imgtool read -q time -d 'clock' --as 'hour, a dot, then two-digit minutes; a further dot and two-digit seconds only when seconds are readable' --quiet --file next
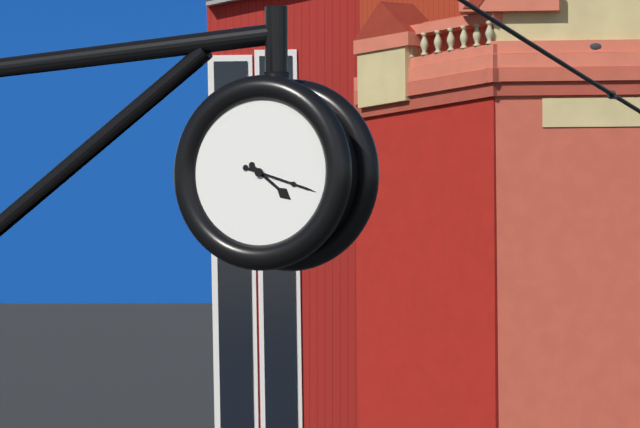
4.18
